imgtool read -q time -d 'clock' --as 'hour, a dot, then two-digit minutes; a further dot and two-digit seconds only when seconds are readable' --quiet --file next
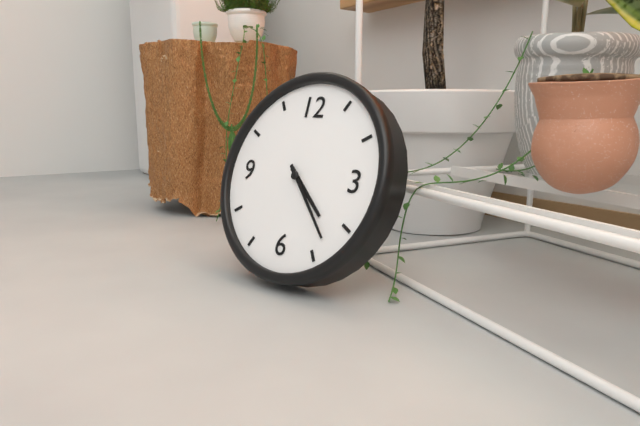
4.23
